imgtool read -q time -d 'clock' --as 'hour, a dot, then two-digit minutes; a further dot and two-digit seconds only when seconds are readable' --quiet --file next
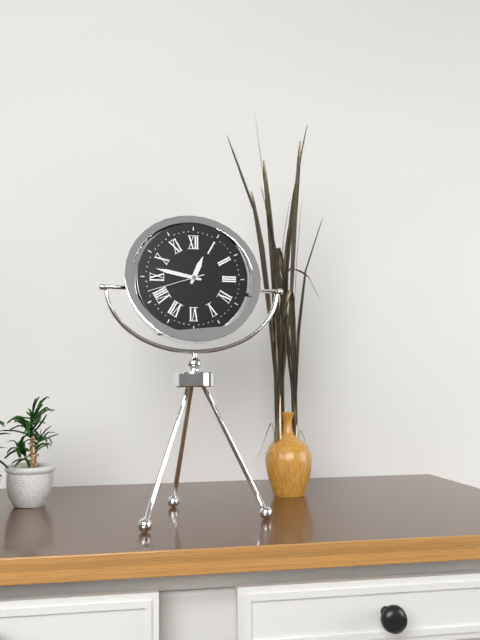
12.47.42
